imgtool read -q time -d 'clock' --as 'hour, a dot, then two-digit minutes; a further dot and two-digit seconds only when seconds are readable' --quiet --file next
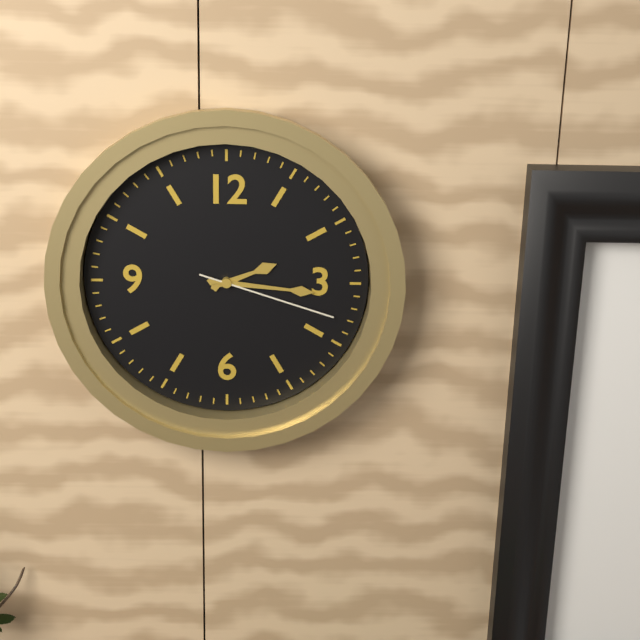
2.16.18
